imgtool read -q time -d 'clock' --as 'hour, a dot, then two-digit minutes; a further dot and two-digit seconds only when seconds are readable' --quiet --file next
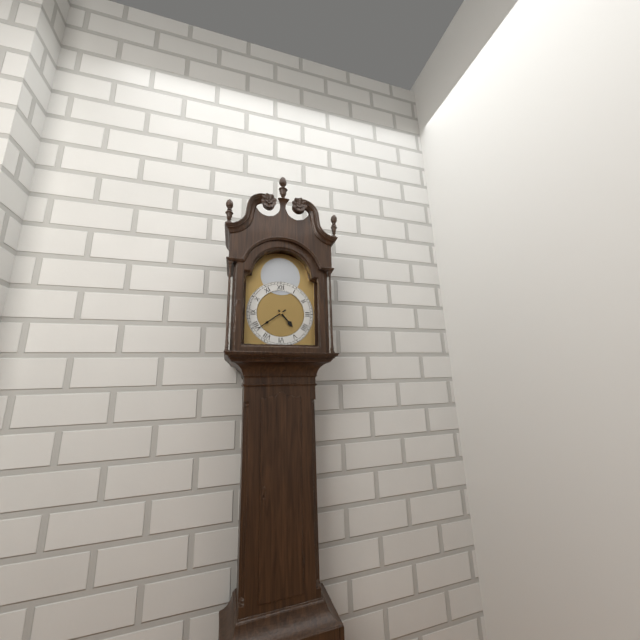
4.39
